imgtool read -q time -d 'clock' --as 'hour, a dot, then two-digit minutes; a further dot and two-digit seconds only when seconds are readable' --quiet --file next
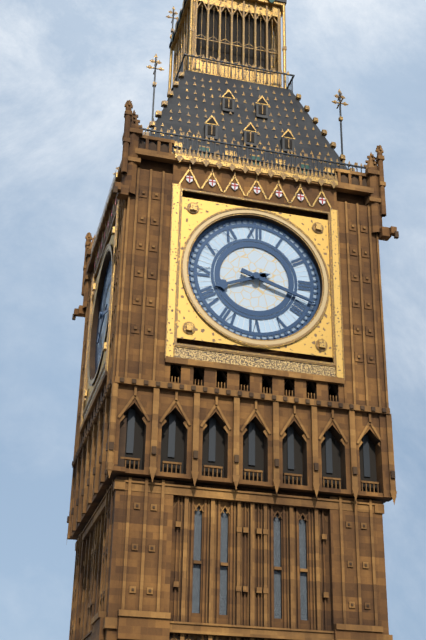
8.18
